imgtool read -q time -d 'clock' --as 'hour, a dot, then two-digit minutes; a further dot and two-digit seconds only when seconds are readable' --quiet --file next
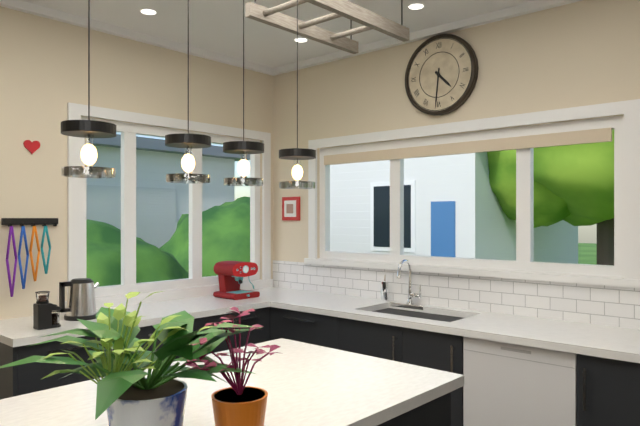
4.31
